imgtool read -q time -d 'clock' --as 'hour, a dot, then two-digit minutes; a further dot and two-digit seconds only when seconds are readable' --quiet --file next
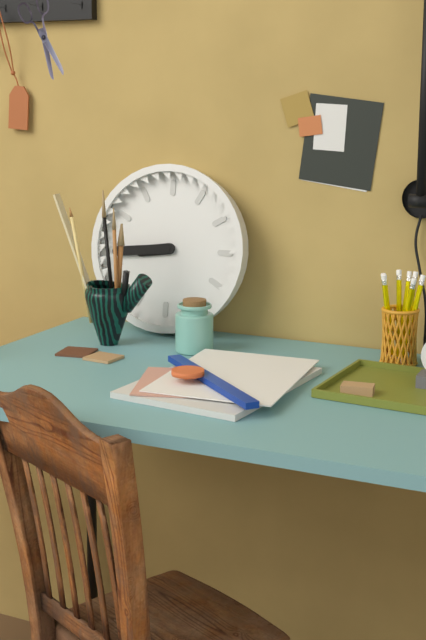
8.44
